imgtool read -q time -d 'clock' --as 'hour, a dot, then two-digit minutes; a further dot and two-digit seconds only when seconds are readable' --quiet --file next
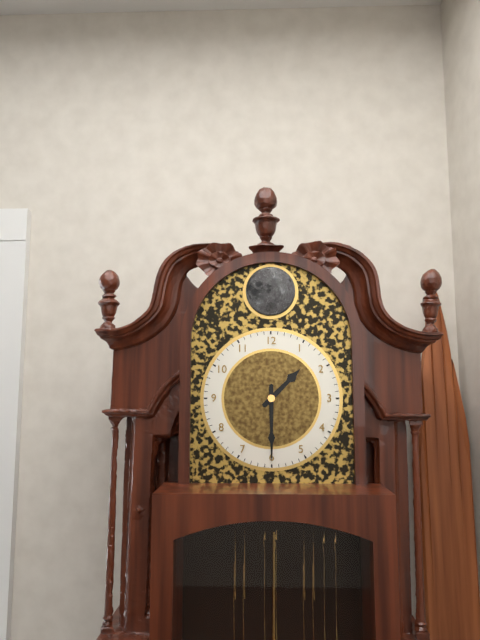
1.30
